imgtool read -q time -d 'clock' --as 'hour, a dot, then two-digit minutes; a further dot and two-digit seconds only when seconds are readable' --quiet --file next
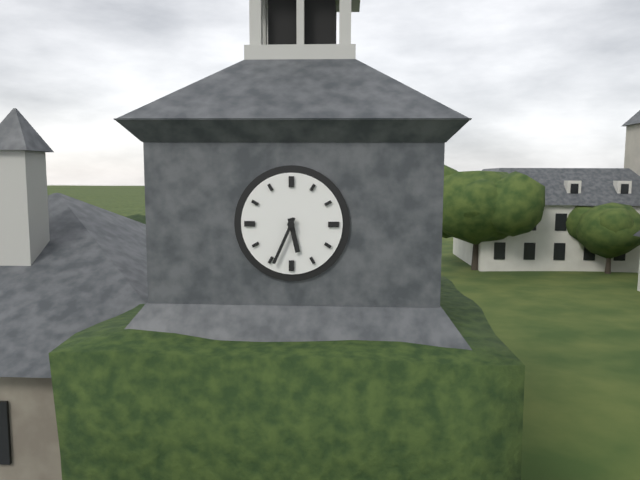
5.34
